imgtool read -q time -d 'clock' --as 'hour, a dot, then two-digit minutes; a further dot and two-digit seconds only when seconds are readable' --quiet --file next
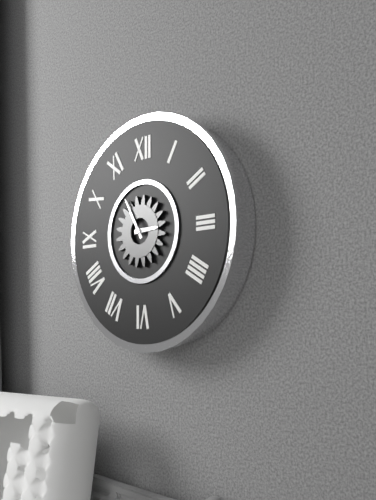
2.55
